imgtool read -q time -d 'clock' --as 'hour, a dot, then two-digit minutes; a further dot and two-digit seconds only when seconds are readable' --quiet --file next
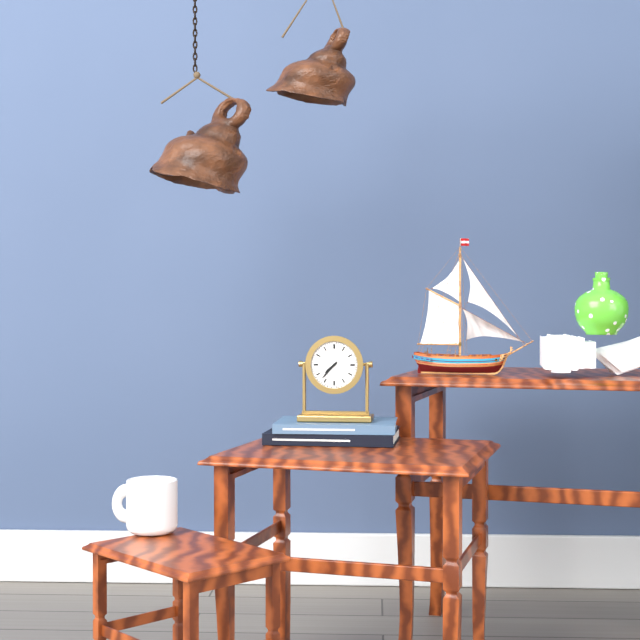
7.37
